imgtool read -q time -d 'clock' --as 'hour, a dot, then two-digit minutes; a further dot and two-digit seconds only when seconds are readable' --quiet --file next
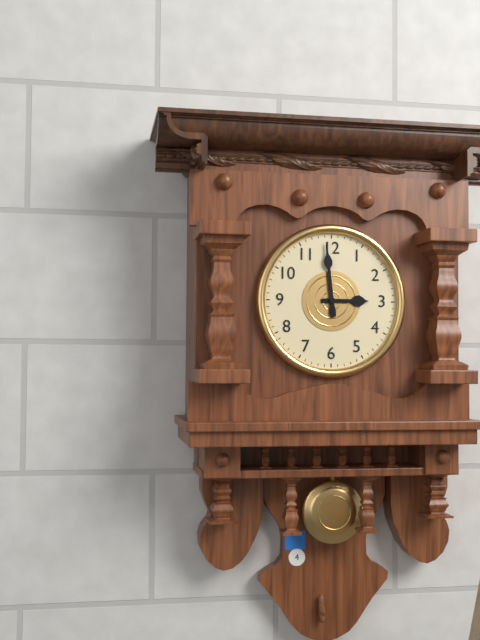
2.59
